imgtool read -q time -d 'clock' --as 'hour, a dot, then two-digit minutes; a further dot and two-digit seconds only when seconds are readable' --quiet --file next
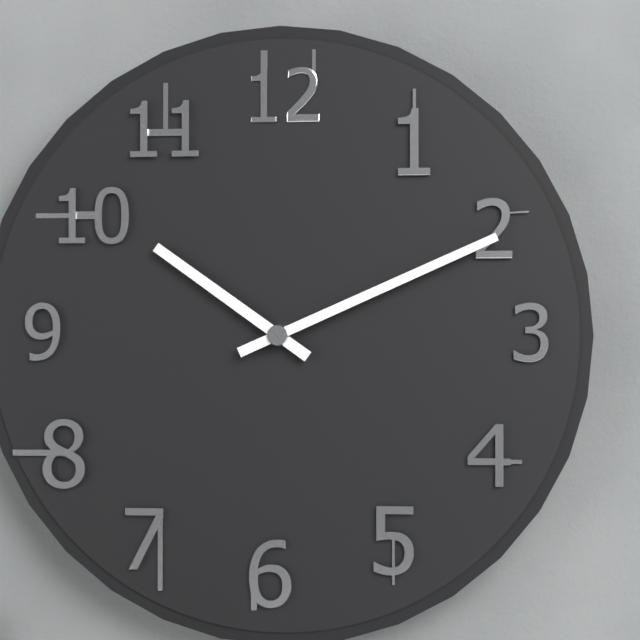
10.11
